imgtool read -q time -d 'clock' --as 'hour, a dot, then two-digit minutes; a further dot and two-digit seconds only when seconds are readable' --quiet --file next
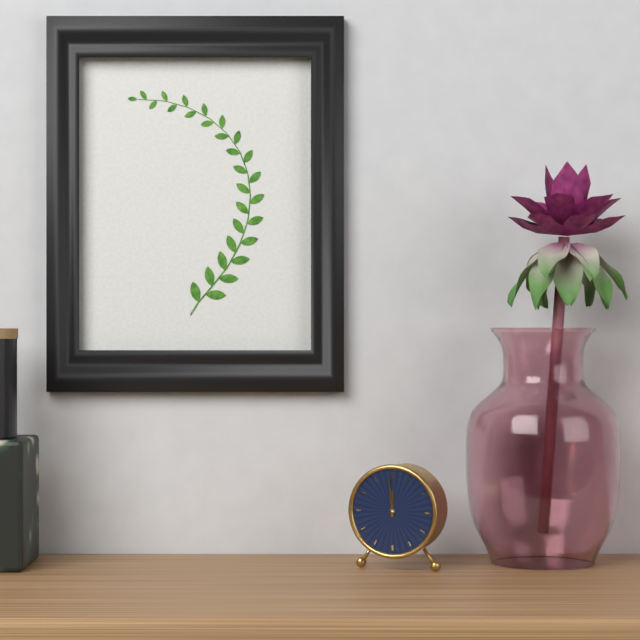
11.59
